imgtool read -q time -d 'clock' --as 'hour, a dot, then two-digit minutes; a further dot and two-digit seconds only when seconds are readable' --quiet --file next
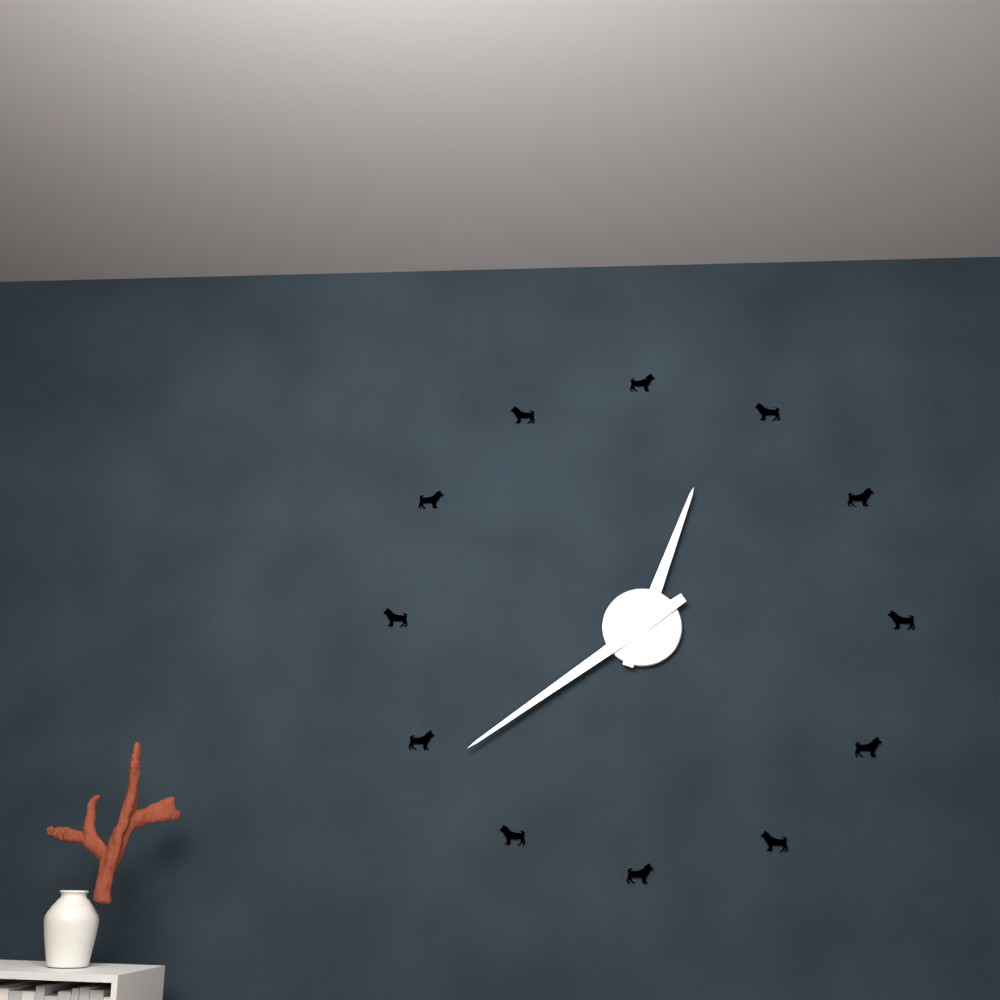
12.39
